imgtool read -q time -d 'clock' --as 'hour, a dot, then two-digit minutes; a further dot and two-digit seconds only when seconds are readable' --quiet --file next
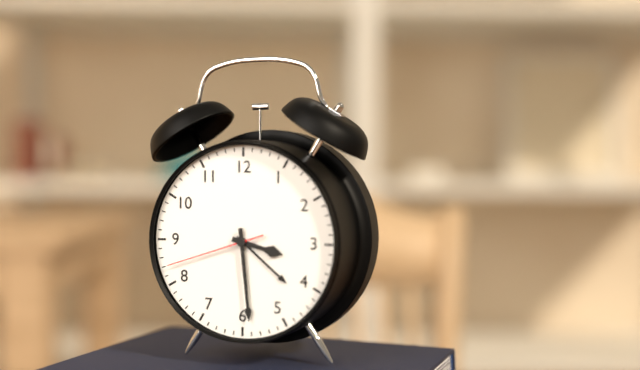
3.29.42
